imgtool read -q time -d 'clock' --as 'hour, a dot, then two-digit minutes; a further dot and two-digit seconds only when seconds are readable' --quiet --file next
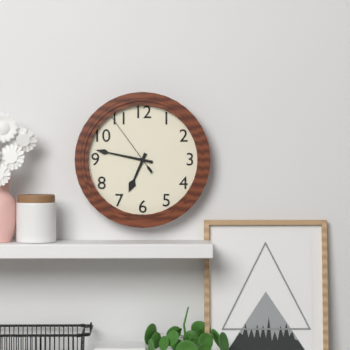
6.47.54
